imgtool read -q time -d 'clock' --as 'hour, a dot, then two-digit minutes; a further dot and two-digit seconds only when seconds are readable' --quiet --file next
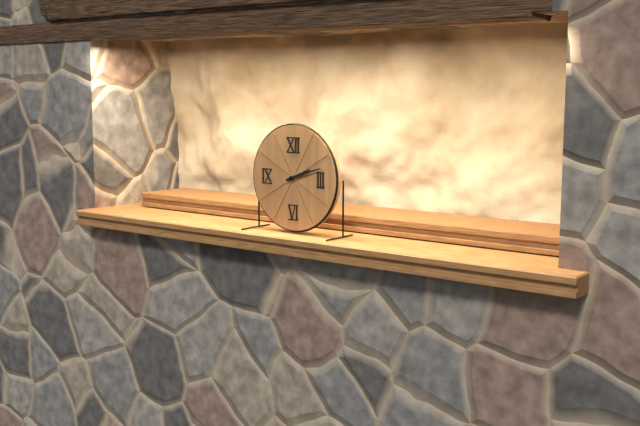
2.12
